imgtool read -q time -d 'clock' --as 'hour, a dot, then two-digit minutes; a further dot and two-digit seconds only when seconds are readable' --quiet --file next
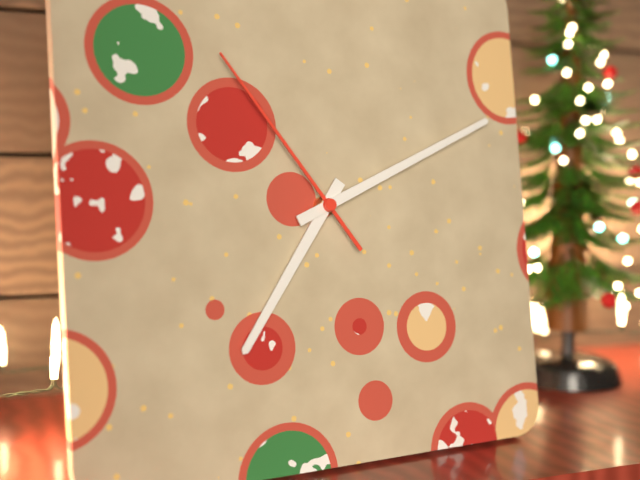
7.11.54
